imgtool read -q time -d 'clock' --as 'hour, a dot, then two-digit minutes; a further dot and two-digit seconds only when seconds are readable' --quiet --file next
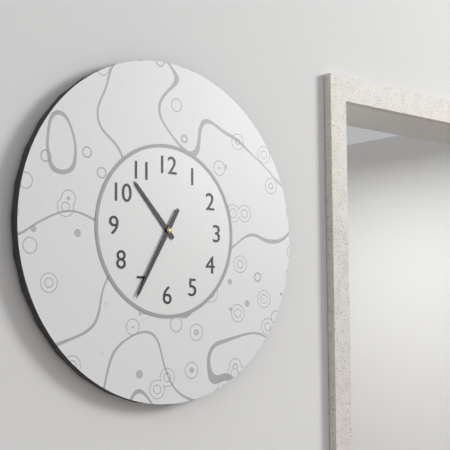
10.35
